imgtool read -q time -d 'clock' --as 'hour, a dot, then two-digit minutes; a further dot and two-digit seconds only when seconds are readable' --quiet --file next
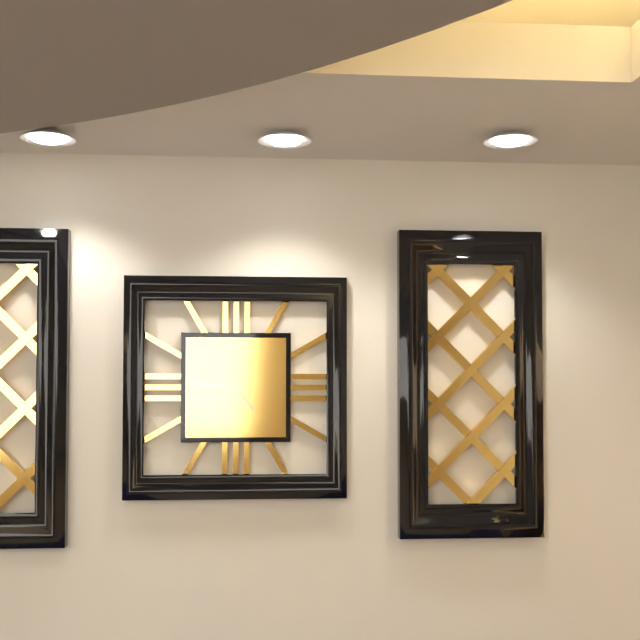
4.46.03
